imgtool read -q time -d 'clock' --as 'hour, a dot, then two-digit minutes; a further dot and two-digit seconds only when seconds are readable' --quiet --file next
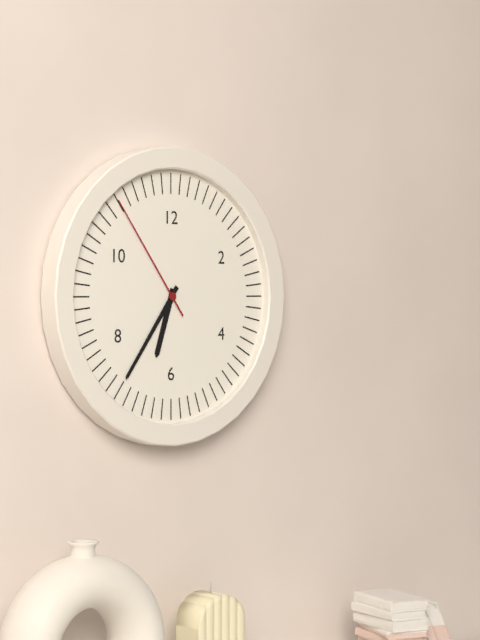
6.36.54
